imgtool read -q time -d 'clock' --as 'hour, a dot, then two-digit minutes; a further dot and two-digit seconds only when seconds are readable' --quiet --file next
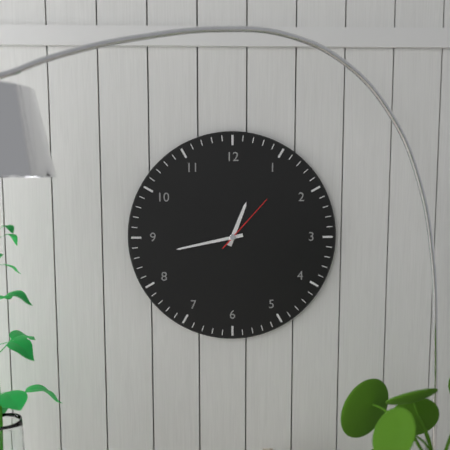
12.43.07
